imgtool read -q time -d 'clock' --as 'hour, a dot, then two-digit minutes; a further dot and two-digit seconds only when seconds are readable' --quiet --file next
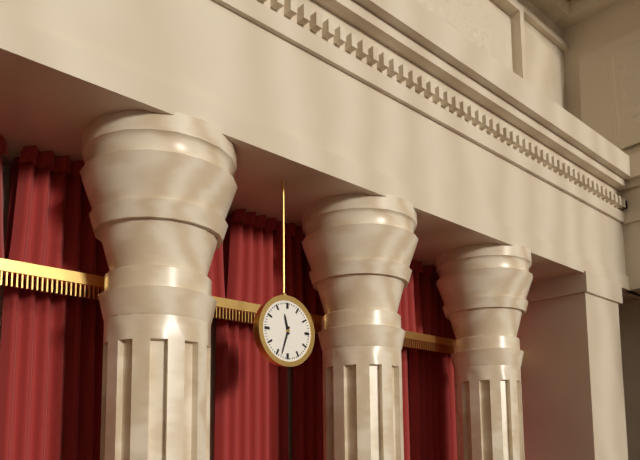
11.33
